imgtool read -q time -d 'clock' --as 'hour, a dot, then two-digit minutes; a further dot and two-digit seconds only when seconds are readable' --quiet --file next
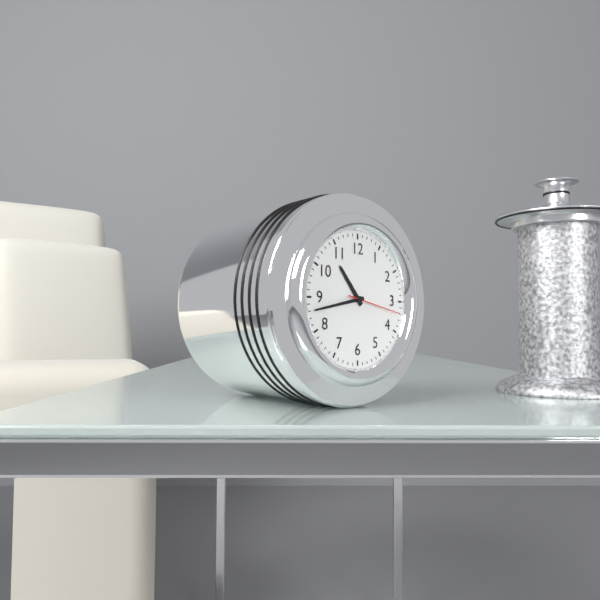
10.43.17
